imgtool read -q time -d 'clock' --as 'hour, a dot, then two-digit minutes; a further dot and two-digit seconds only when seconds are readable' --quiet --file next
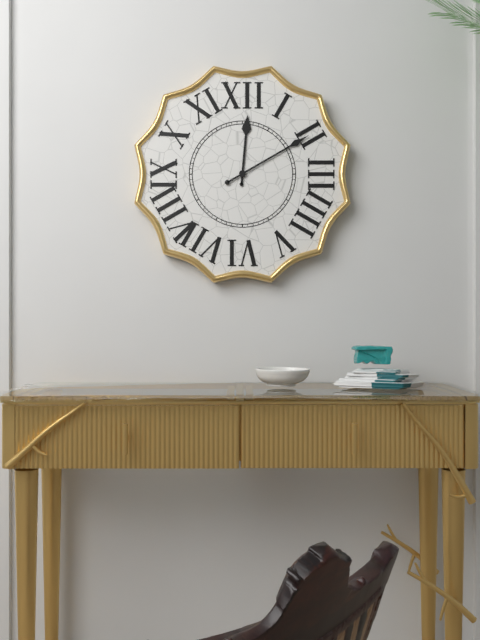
12.10
